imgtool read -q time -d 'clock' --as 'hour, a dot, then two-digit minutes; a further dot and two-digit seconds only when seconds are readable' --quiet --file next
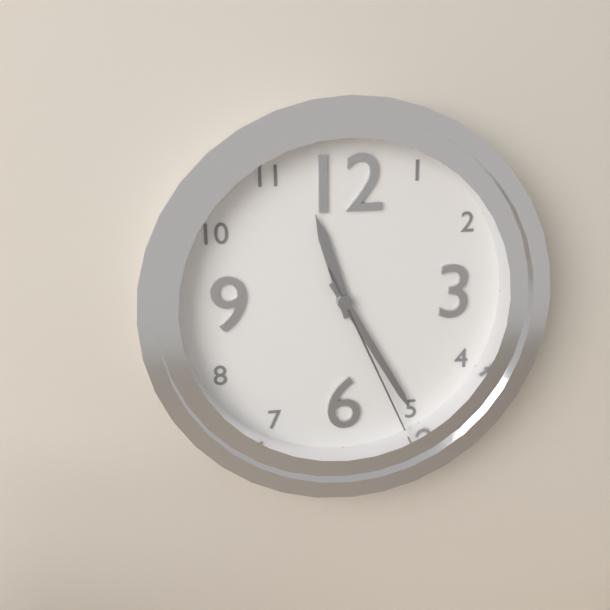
11.25.26
